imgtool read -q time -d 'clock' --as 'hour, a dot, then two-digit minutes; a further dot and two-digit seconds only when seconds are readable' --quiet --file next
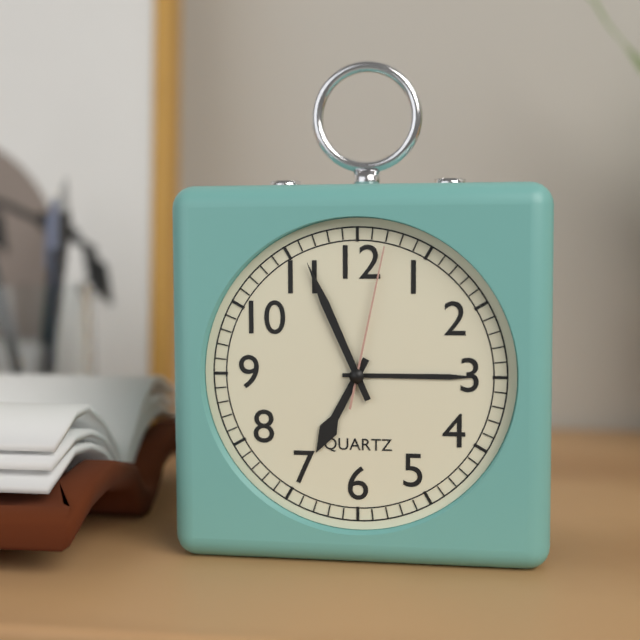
6.56.02
